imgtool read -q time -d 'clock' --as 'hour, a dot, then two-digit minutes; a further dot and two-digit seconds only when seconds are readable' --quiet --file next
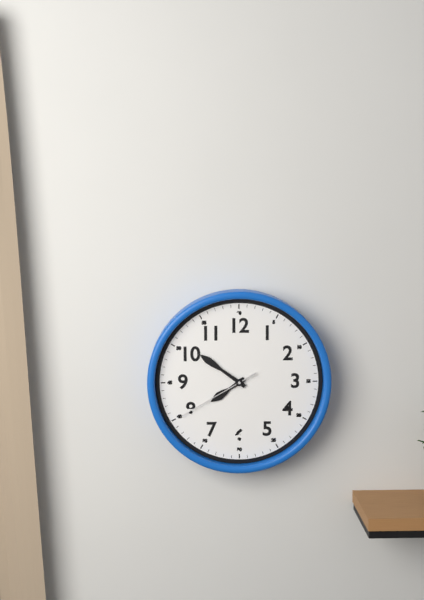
7.51.40
